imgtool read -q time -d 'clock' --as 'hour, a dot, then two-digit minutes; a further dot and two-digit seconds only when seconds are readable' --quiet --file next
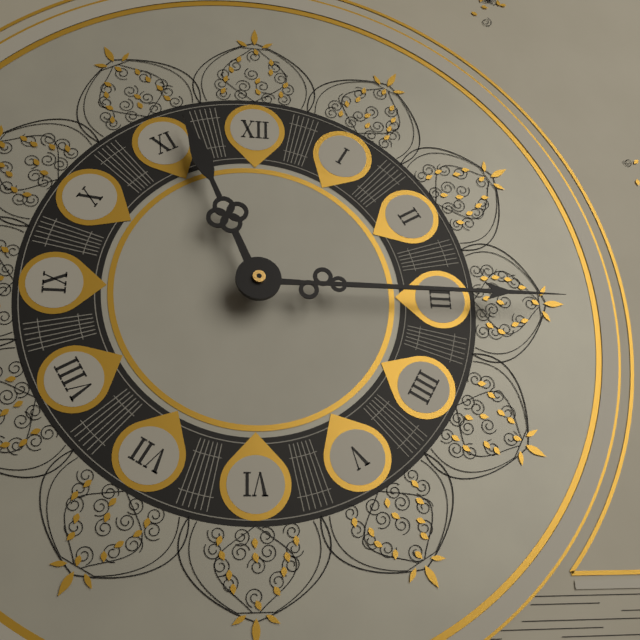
11.15
